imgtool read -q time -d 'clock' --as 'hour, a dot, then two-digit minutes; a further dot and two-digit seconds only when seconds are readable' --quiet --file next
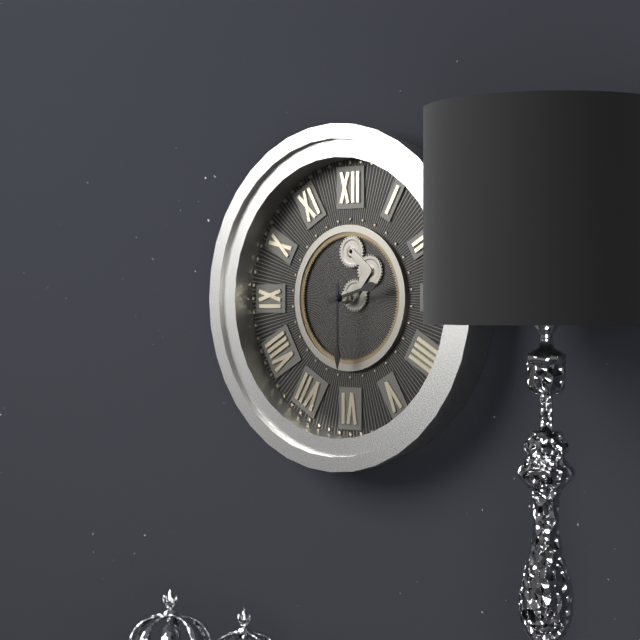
2.30
